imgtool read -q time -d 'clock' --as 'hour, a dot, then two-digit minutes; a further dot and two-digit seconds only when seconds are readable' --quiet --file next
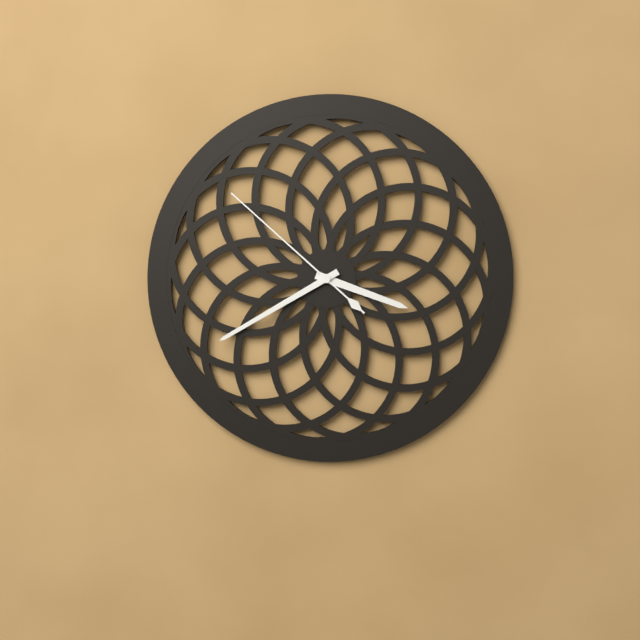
3.40.52
